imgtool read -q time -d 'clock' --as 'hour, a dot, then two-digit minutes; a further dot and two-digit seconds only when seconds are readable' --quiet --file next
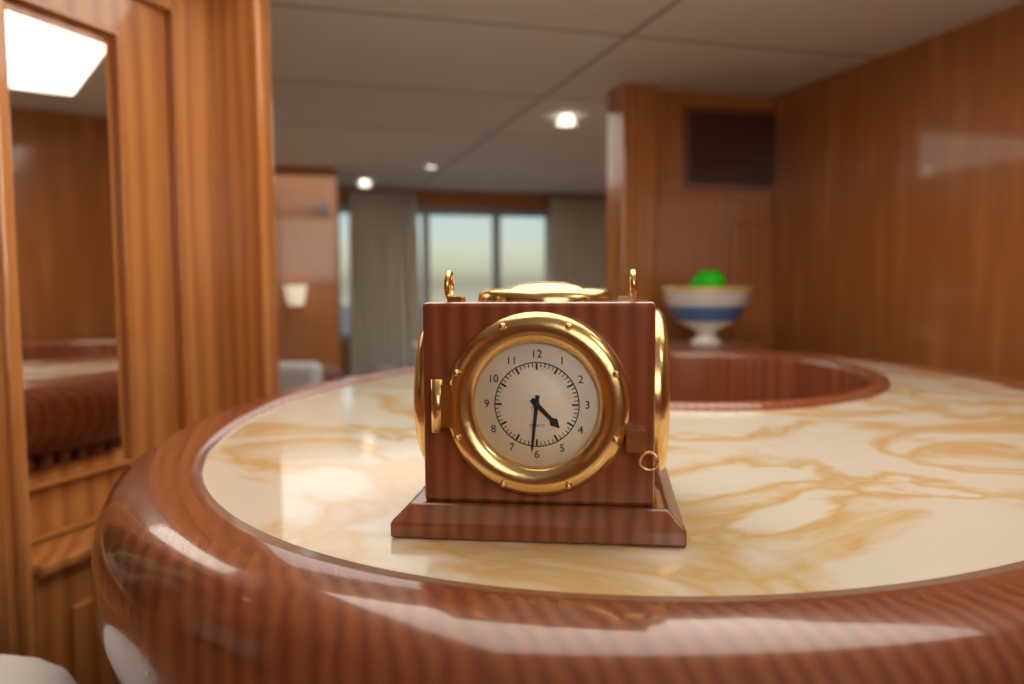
4.31
